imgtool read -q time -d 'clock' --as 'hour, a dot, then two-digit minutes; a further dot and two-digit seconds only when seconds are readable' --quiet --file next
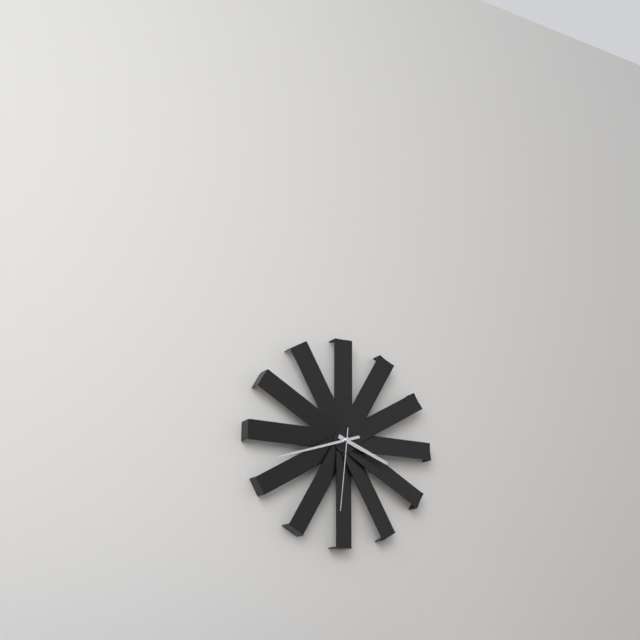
3.42.31
